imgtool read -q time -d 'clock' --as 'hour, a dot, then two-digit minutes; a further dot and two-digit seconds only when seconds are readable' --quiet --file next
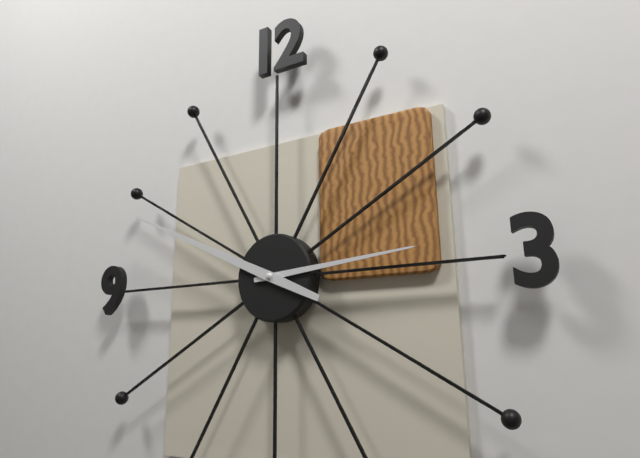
2.49
